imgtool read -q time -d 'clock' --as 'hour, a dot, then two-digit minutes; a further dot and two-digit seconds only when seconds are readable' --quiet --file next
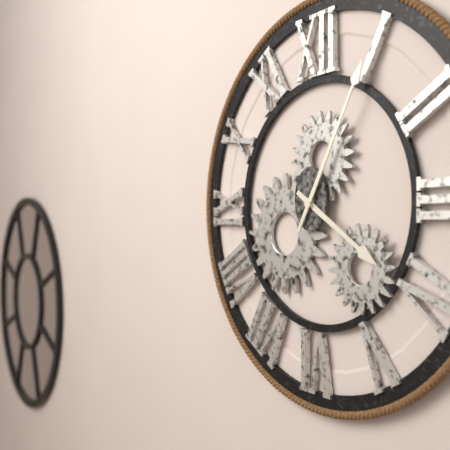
4.05
